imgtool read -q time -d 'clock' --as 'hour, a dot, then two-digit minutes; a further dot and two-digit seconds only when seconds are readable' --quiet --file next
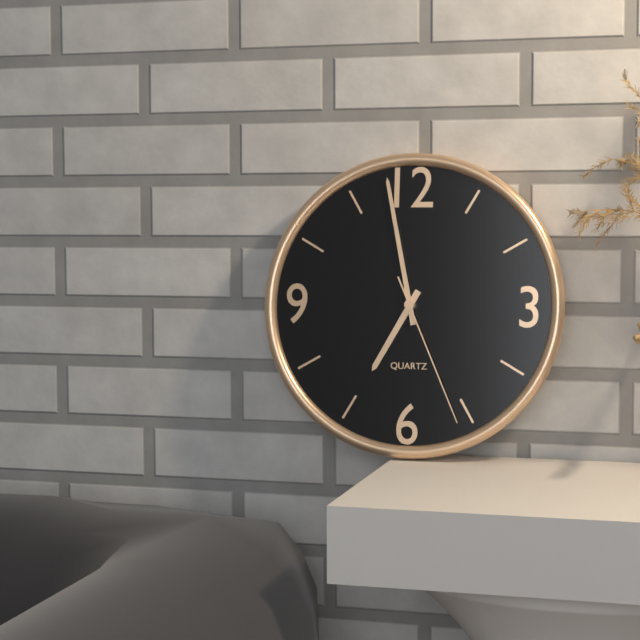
6.58.26
